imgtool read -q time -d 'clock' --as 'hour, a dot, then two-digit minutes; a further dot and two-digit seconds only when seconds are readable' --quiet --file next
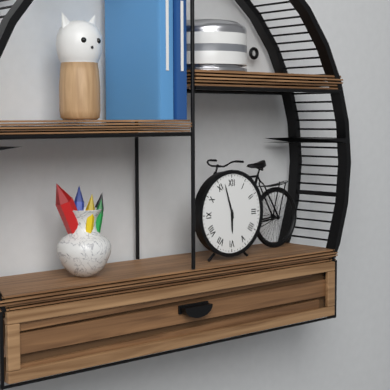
5.57
